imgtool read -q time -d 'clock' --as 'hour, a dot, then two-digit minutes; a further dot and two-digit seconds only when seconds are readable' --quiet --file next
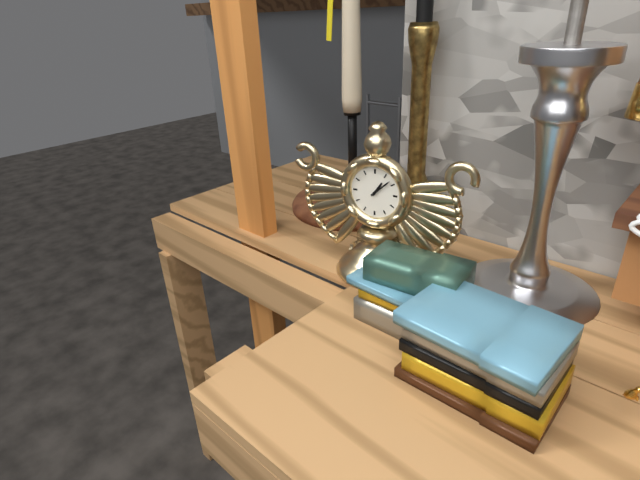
1.08
